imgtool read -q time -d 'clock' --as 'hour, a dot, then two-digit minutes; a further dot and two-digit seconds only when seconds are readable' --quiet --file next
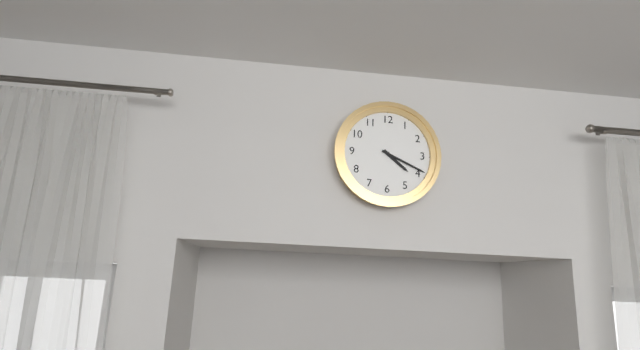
4.19
